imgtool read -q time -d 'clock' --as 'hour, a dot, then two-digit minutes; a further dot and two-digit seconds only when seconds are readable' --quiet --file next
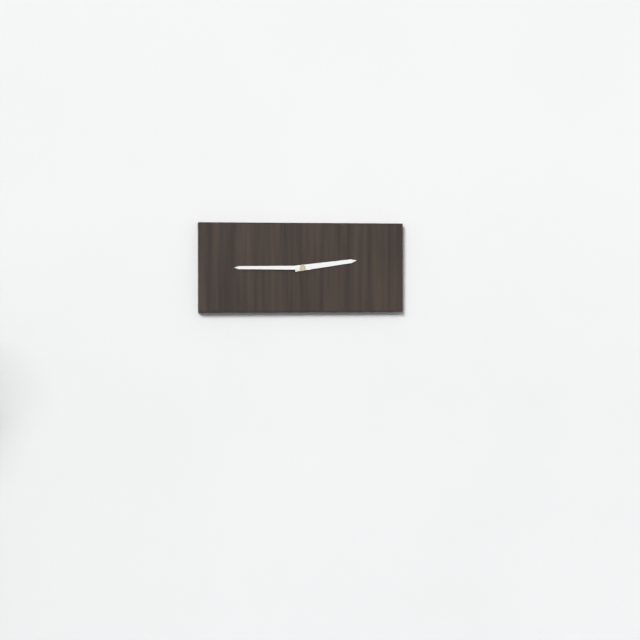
2.45
